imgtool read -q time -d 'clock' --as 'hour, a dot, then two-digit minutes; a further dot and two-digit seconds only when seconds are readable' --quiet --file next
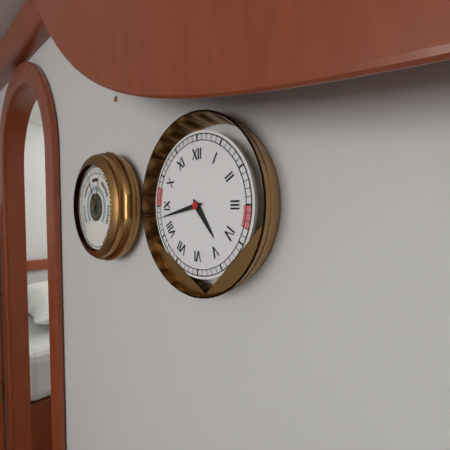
4.43
